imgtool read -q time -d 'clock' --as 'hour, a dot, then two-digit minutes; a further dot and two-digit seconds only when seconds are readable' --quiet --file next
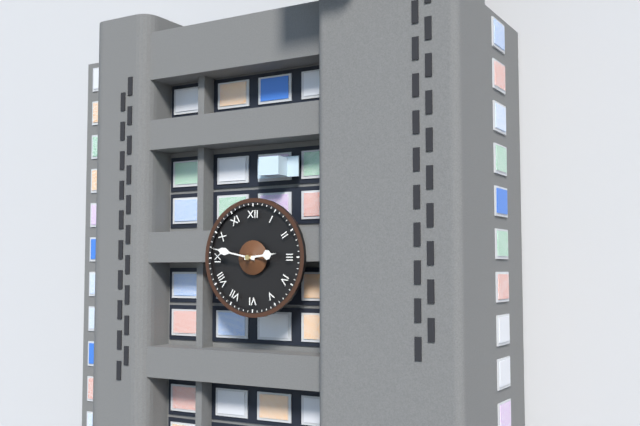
2.47
